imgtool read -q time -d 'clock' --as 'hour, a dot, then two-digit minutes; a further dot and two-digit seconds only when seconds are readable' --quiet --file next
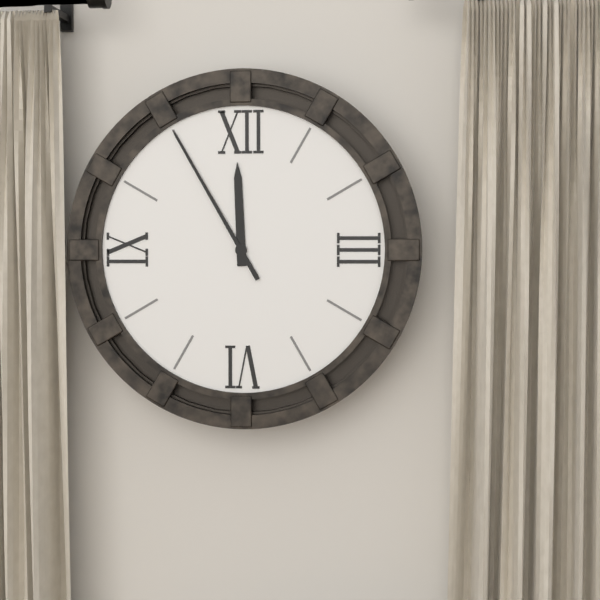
11.55
